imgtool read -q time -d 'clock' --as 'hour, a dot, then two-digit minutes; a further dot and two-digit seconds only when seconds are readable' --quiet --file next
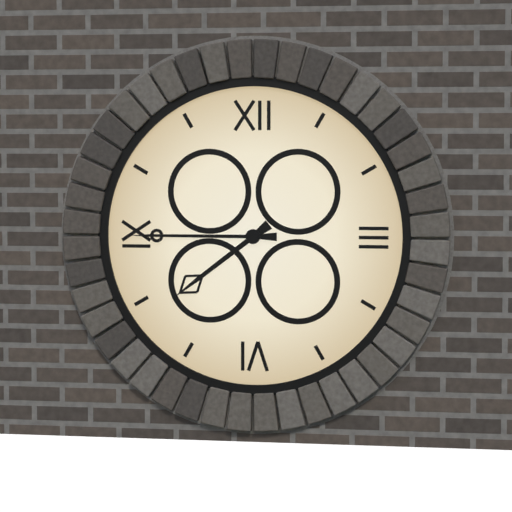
7.45
